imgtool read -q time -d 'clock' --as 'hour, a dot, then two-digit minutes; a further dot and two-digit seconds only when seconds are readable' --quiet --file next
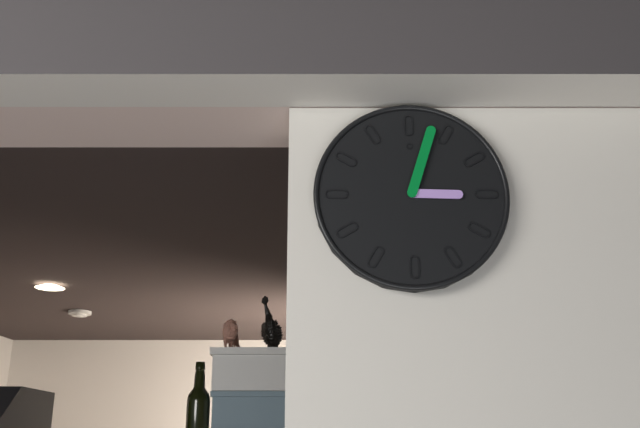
3.03
